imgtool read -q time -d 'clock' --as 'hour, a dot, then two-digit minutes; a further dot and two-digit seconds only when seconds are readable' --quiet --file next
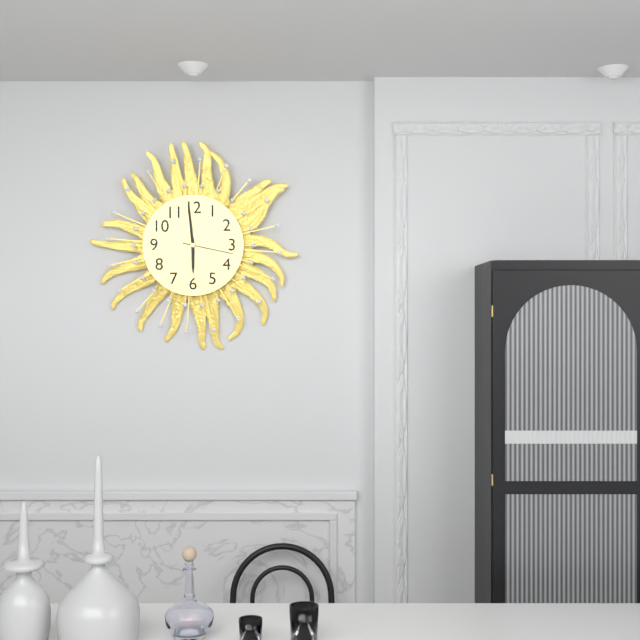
5.59.17
